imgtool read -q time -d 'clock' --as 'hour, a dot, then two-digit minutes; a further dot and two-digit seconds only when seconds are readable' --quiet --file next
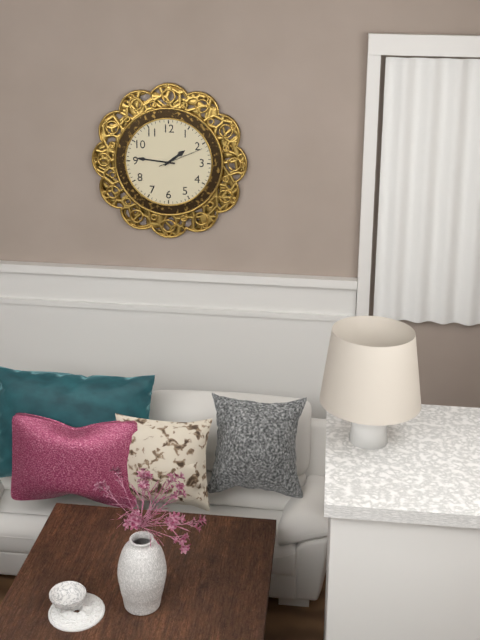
1.46
